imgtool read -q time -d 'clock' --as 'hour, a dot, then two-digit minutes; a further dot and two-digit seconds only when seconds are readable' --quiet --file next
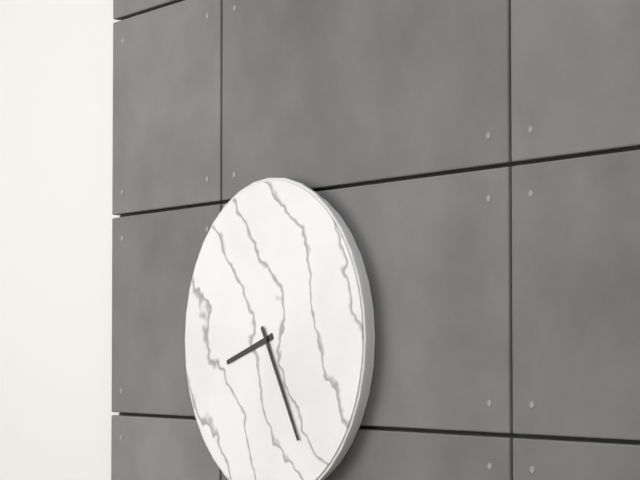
8.25
